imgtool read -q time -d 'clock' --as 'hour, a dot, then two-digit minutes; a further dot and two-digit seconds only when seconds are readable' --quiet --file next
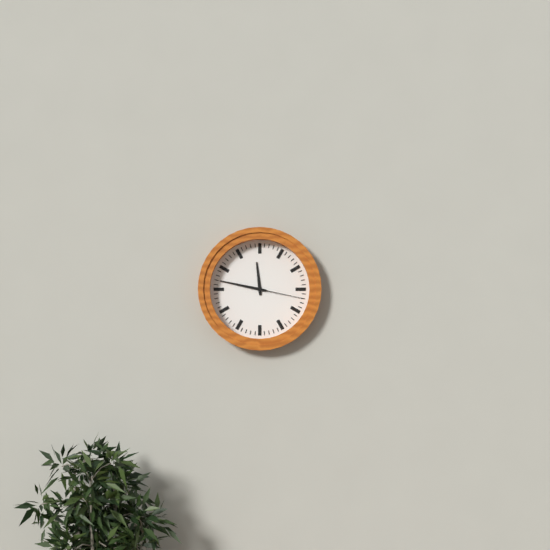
11.47.17
